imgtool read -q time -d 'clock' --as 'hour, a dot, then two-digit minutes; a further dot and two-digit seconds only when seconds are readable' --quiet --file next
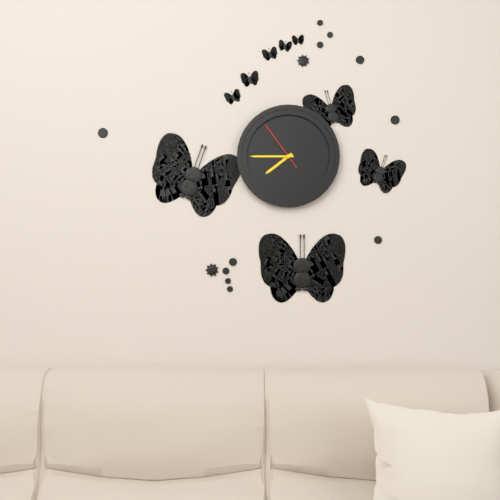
7.45.54
